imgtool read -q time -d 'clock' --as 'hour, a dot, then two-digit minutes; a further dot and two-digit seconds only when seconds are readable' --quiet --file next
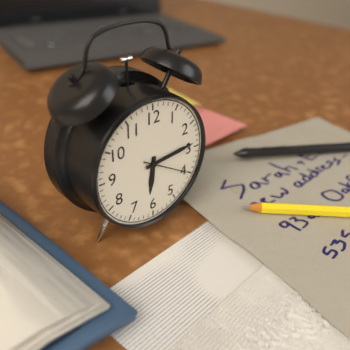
6.14
